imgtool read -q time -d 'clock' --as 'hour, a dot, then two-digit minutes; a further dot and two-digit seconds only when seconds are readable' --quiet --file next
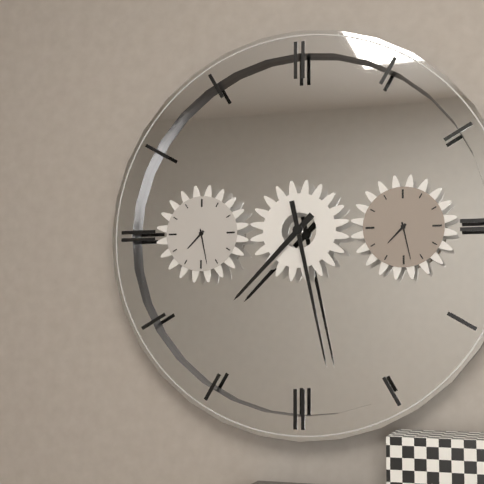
7.28
